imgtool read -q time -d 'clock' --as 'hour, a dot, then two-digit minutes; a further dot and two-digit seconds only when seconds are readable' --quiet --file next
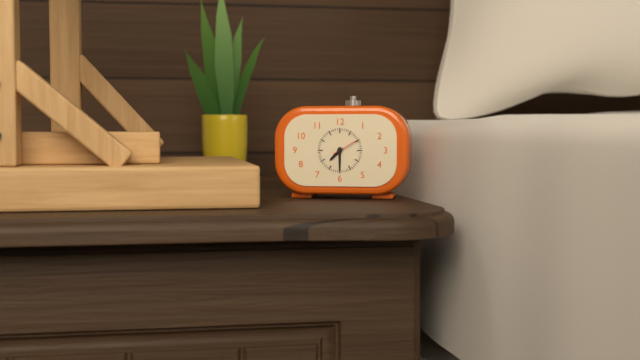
7.30
